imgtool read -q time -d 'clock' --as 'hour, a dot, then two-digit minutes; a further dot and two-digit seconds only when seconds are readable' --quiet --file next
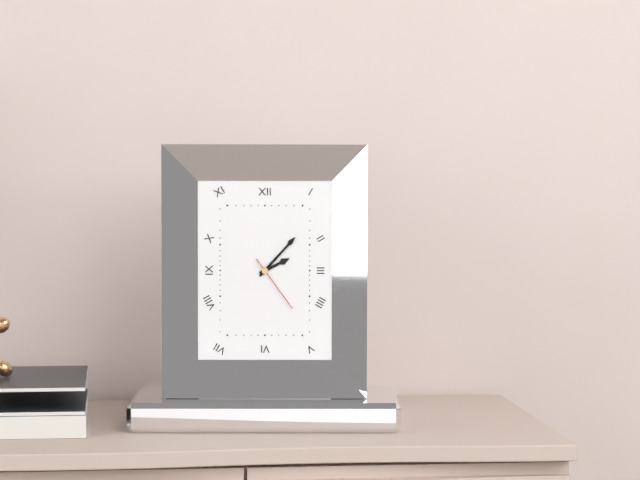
2.07.24
